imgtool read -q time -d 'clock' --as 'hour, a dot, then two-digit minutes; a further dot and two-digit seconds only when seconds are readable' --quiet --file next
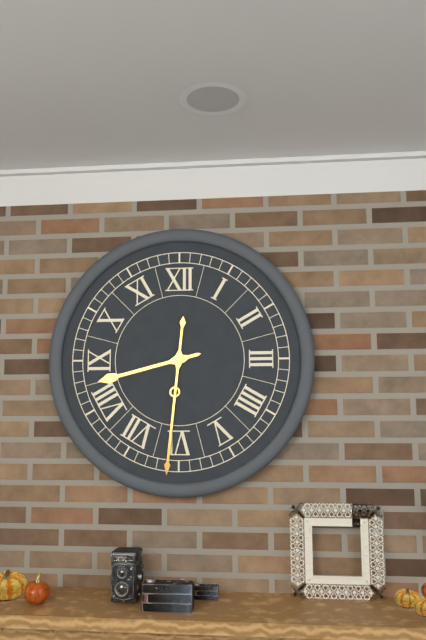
8.31
